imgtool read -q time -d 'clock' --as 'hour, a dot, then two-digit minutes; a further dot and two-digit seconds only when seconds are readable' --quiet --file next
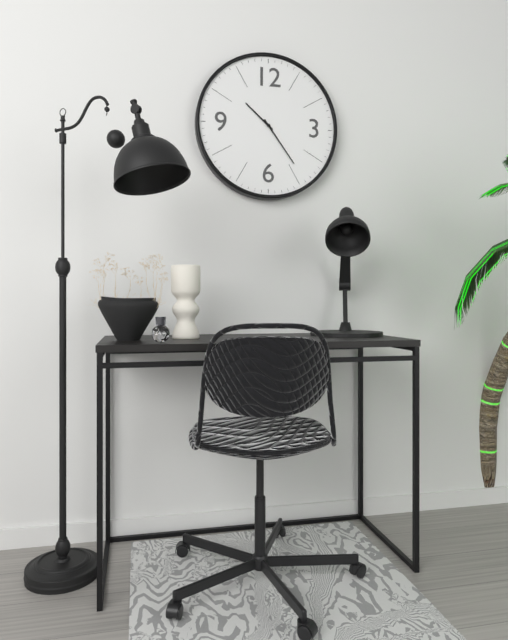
10.24
